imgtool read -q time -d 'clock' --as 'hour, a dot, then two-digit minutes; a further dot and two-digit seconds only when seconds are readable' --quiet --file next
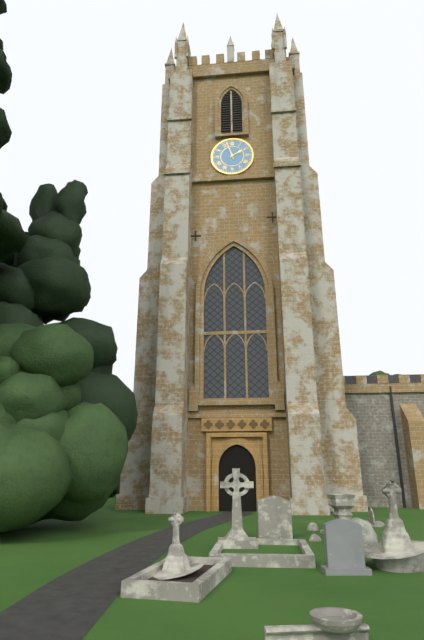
1.57
